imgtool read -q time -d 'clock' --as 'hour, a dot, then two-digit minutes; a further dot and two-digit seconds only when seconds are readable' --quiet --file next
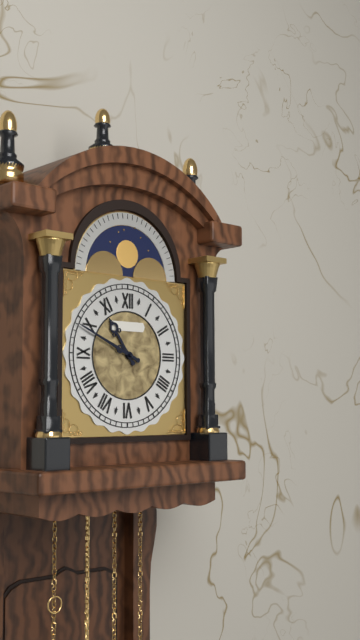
10.49
